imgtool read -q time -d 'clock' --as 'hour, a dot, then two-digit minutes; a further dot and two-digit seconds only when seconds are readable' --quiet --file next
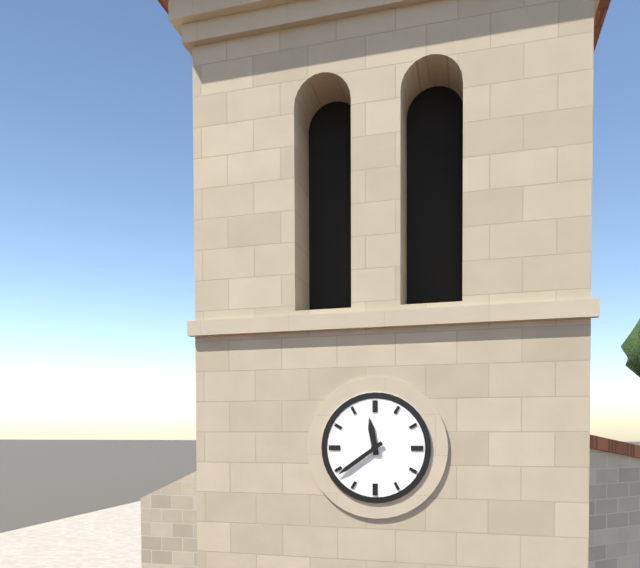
11.39
